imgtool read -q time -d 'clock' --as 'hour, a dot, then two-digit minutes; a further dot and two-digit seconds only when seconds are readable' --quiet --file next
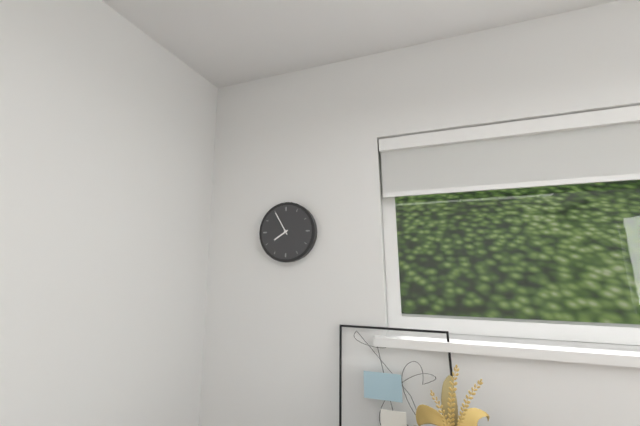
7.55
